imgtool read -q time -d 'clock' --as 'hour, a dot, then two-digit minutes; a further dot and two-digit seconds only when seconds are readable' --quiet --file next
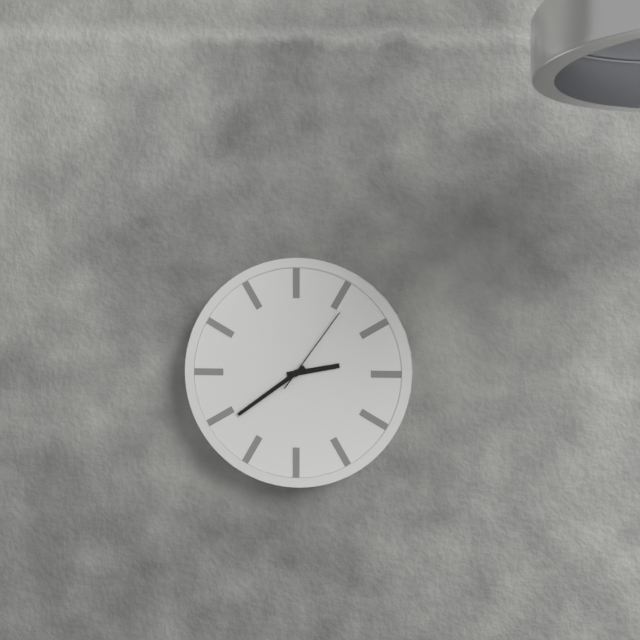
2.39.06
